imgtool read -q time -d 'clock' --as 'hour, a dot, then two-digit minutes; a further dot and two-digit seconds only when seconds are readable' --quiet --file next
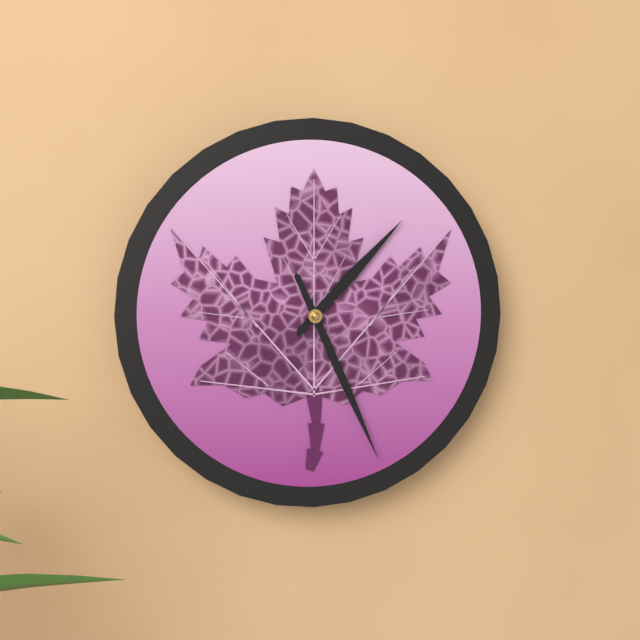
1.26
